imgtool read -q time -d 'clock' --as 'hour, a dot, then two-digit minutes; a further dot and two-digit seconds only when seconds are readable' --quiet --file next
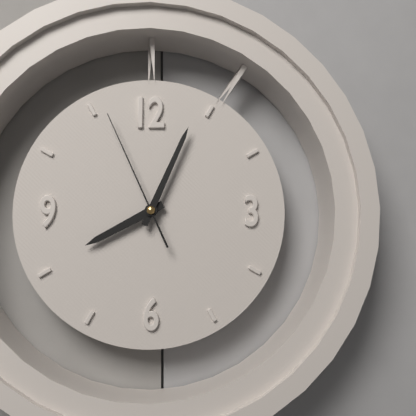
8.04.56
